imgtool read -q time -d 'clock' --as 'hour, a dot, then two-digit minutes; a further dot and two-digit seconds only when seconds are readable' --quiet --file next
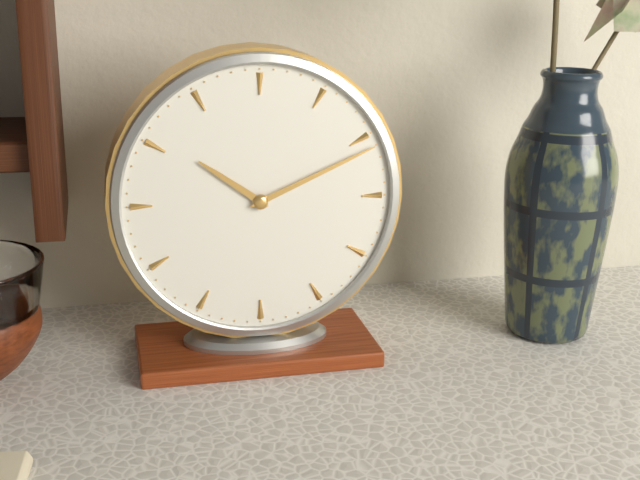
10.11
